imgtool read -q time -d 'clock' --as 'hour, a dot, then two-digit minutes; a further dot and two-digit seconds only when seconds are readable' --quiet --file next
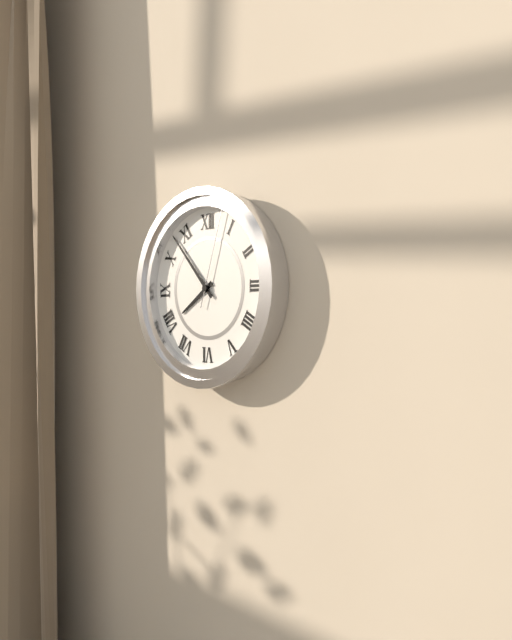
7.53.03
